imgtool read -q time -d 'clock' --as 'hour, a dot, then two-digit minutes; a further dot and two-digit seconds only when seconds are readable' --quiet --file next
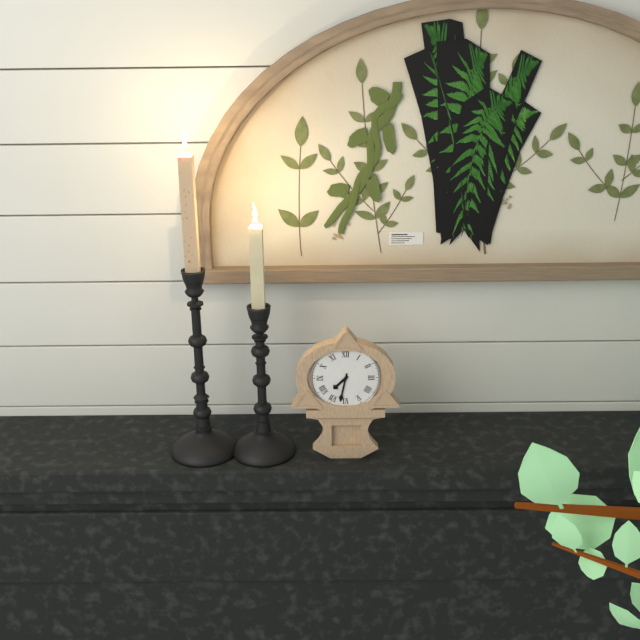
7.32
